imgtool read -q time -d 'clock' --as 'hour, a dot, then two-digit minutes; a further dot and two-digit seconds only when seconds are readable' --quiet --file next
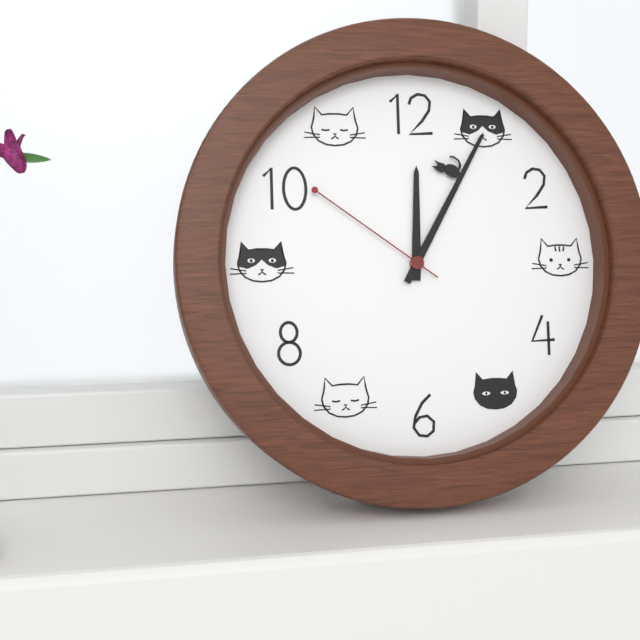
12.05.51
